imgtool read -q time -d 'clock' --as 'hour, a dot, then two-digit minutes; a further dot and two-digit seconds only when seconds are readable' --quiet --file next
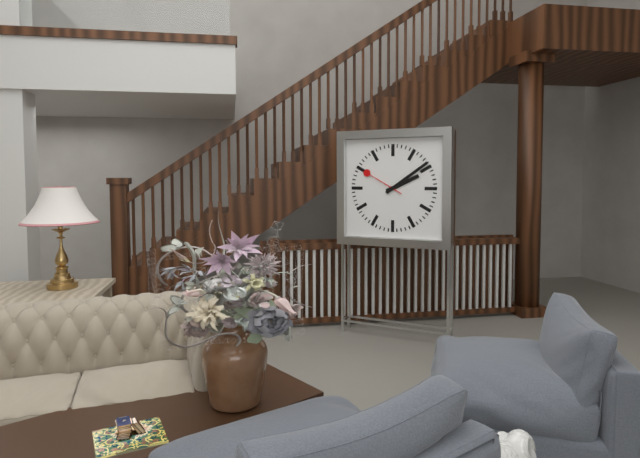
2.09
